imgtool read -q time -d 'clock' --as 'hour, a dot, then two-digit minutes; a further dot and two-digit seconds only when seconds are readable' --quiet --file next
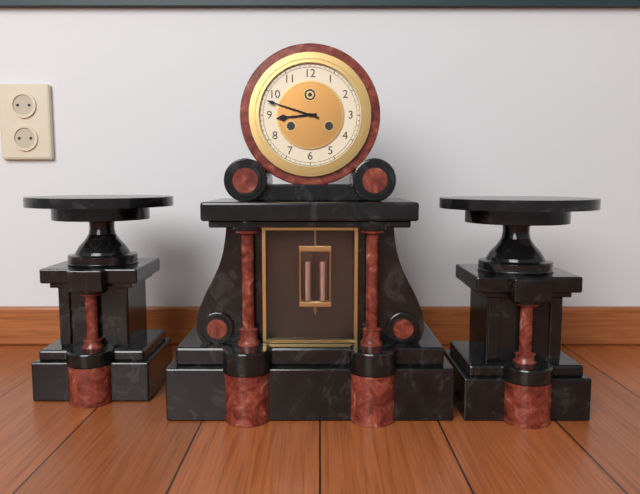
8.48
